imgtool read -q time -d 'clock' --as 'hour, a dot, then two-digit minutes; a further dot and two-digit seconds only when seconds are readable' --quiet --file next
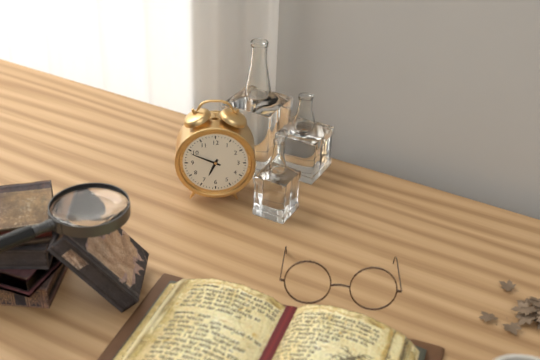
6.49
